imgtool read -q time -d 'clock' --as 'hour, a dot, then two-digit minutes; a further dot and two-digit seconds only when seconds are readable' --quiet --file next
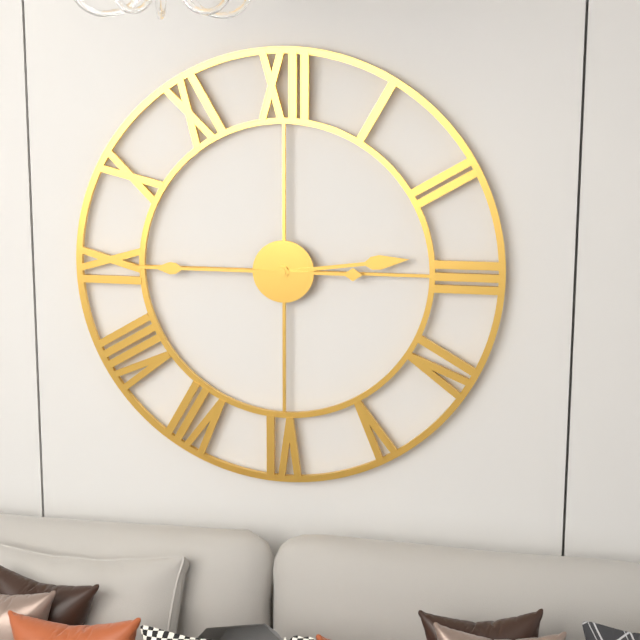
2.45
